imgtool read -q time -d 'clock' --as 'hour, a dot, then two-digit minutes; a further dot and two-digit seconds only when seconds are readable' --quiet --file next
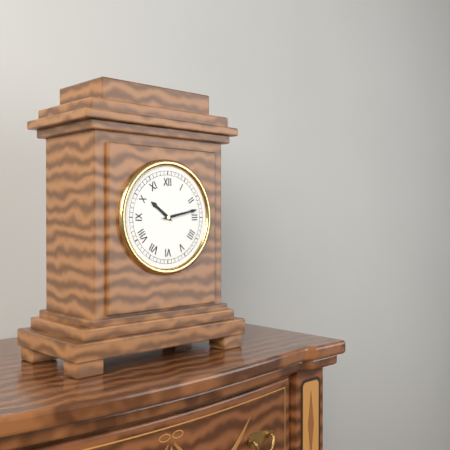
10.13
